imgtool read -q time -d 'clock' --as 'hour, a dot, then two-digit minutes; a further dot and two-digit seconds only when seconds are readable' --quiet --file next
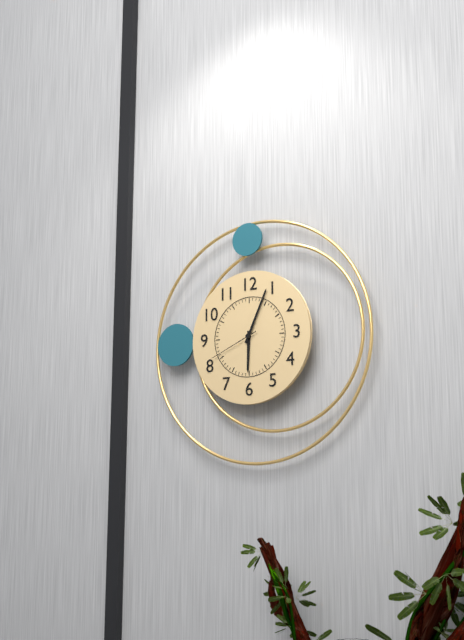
6.04.41
